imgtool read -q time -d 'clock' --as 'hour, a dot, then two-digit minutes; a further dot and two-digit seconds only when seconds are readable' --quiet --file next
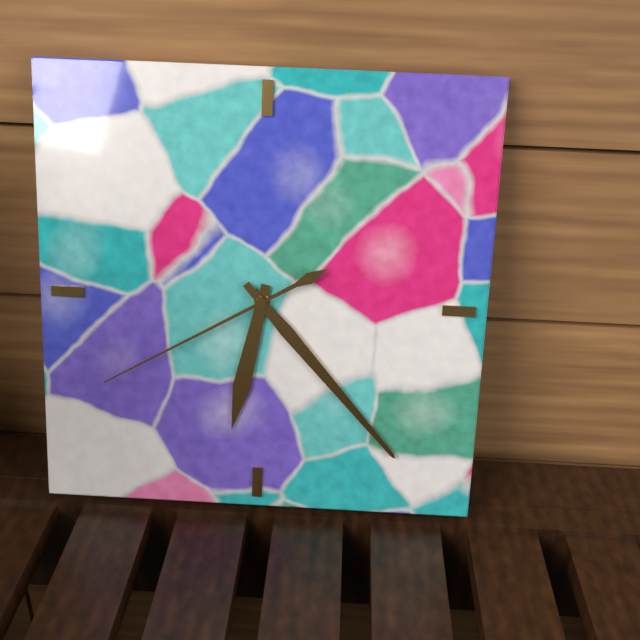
6.23.40
